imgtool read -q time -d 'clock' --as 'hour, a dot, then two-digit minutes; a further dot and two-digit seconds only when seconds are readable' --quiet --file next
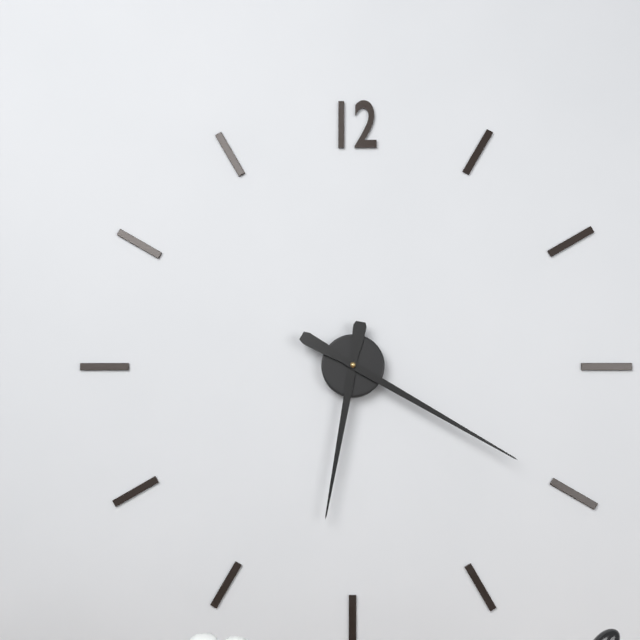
6.20
